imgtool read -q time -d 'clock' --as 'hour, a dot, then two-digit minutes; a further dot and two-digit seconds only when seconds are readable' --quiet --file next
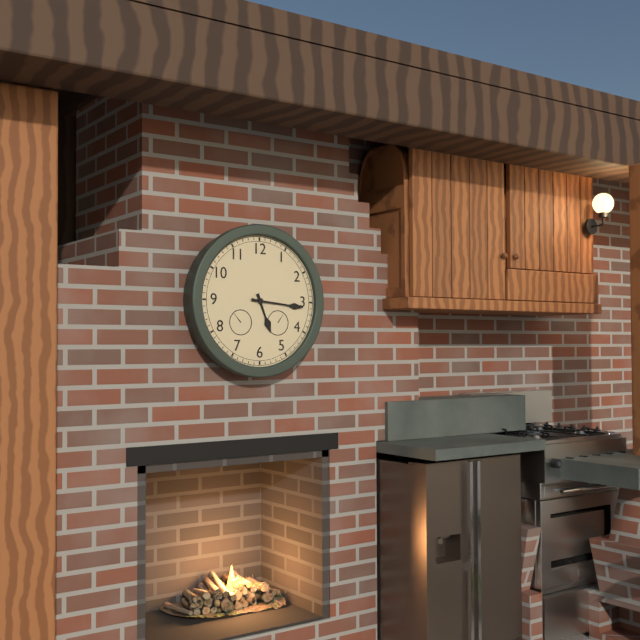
5.16
